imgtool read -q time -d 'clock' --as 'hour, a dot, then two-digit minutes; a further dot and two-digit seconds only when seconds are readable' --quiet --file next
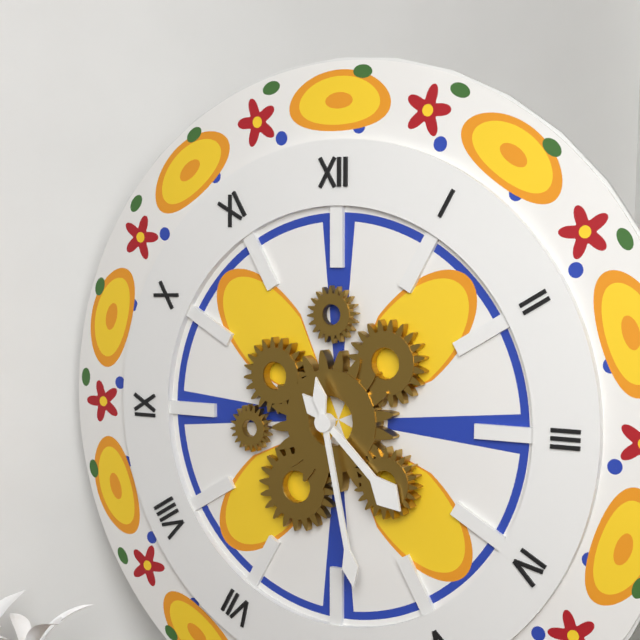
4.28
